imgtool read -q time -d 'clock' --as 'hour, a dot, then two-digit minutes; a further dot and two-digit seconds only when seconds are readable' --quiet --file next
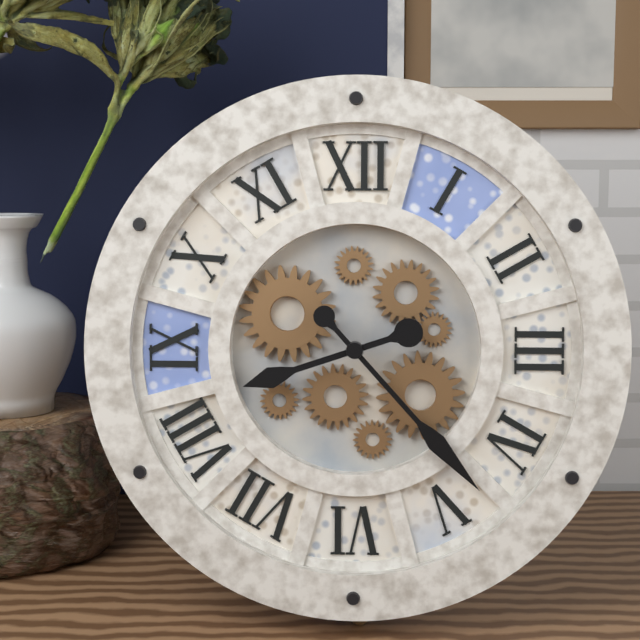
8.23
